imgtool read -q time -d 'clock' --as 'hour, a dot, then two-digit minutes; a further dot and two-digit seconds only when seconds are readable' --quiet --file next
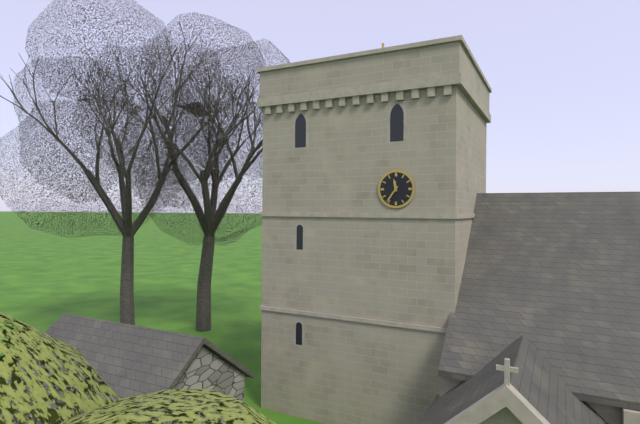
11.36
